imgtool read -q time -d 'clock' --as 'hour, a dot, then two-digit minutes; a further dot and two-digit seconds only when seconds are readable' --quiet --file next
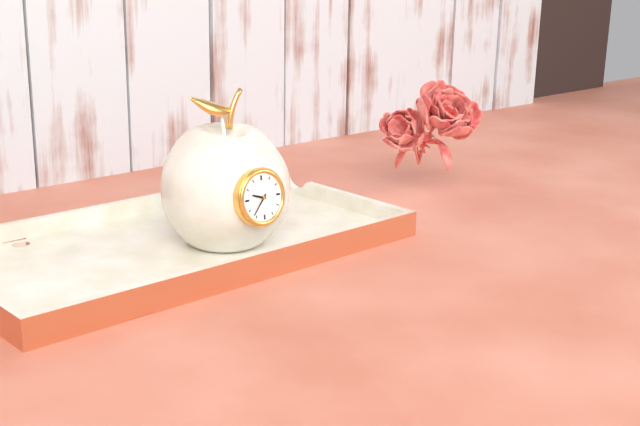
9.37
